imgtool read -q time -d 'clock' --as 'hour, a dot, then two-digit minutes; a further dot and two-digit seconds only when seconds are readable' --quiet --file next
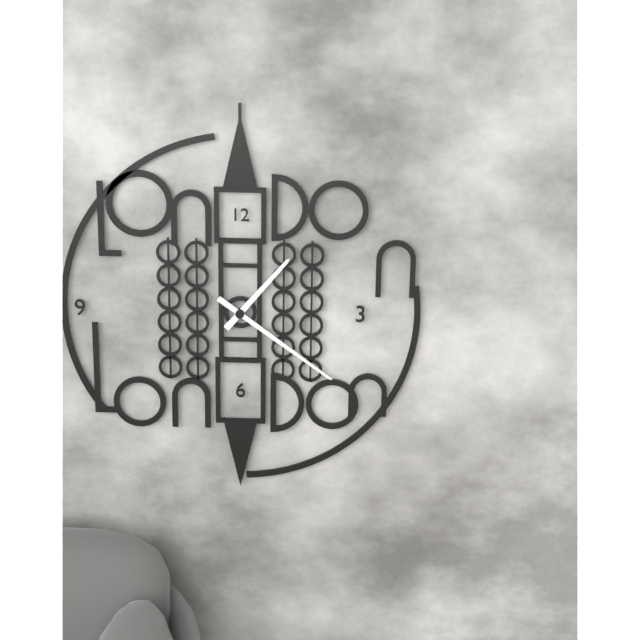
1.21
